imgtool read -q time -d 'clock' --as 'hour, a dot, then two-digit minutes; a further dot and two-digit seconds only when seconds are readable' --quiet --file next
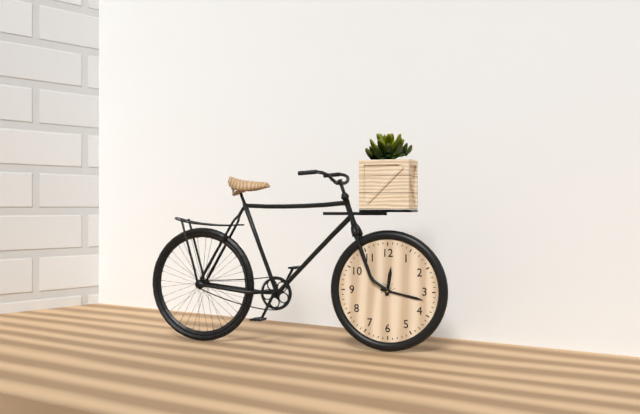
12.17
